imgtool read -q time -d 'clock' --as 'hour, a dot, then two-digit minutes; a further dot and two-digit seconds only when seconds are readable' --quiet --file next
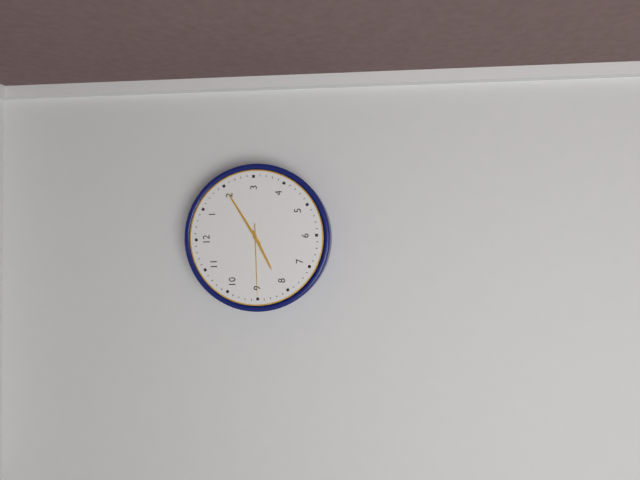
8.10.45
